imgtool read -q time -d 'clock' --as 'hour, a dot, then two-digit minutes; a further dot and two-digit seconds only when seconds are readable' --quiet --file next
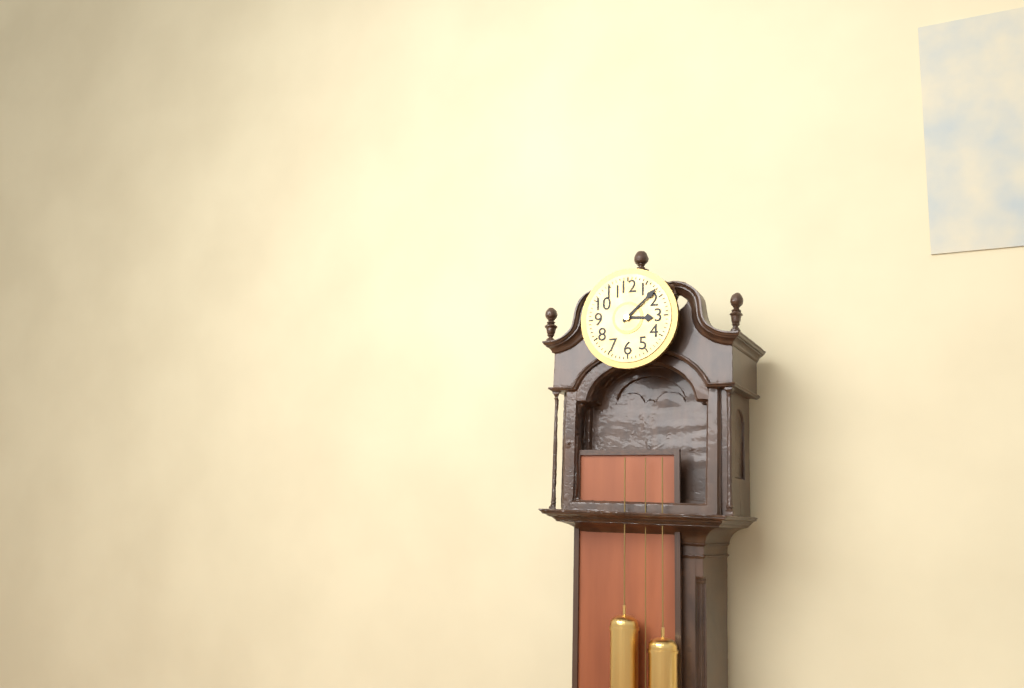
3.08
